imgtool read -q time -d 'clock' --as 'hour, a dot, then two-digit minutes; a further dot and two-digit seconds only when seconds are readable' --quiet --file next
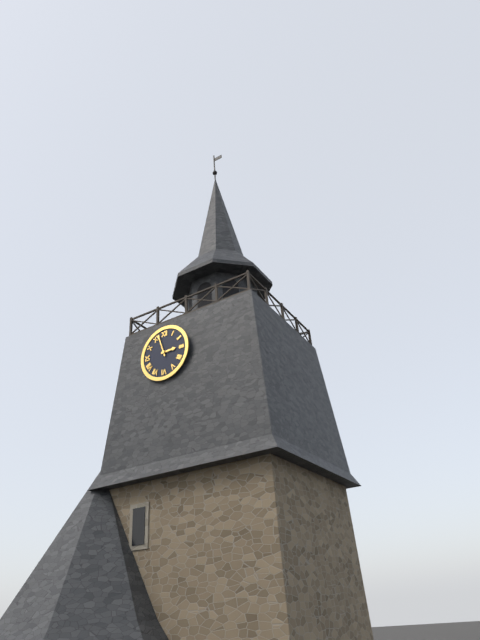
2.57
